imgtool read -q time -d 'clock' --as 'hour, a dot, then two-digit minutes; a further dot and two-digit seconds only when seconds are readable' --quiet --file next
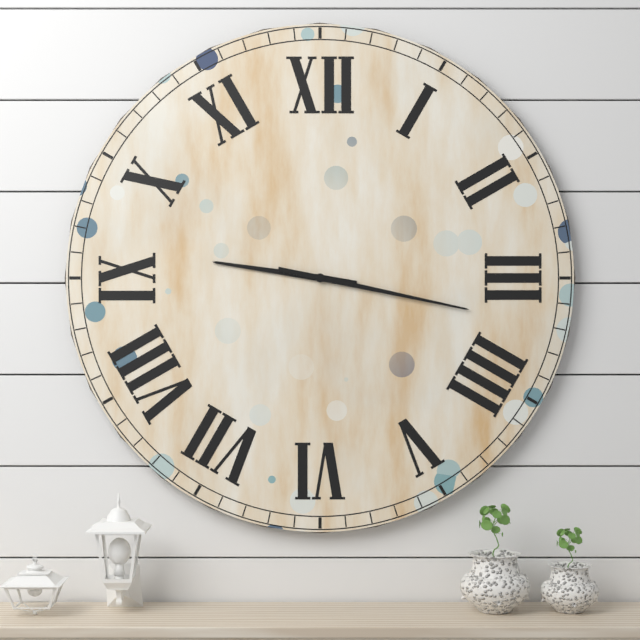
9.17
